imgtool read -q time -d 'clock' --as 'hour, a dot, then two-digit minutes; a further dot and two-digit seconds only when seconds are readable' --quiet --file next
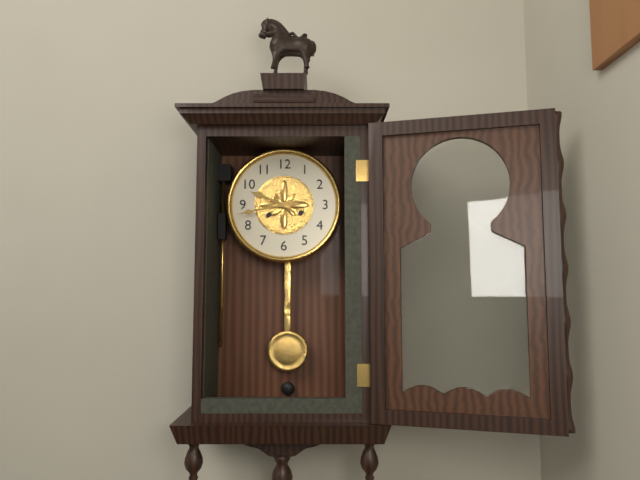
9.43
